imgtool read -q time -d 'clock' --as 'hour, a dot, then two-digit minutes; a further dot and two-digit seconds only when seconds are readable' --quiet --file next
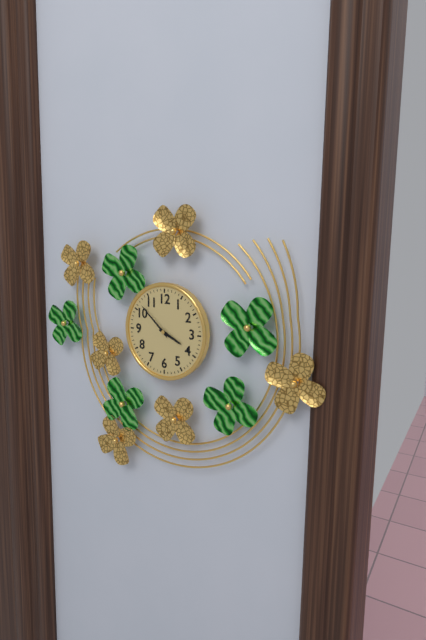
3.52
